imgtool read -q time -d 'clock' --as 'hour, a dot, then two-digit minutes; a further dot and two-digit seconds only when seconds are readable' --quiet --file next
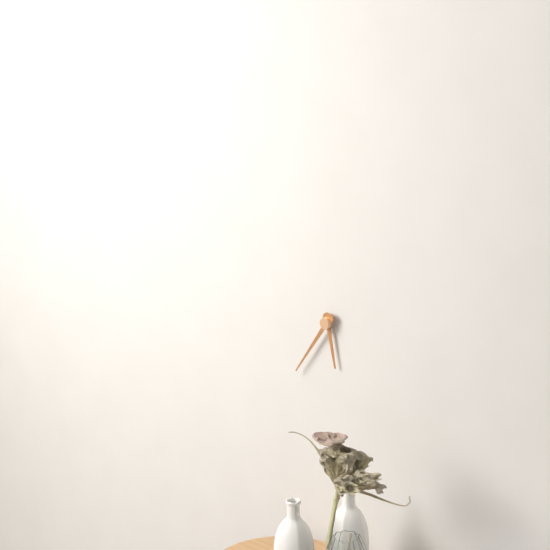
5.36
